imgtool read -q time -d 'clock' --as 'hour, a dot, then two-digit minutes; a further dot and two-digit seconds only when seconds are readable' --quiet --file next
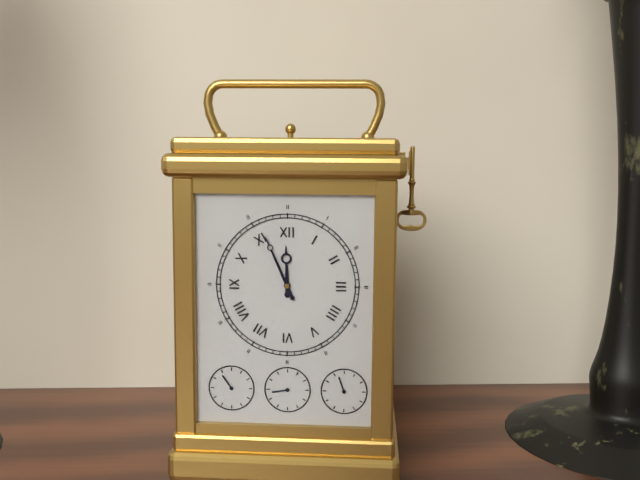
11.56
